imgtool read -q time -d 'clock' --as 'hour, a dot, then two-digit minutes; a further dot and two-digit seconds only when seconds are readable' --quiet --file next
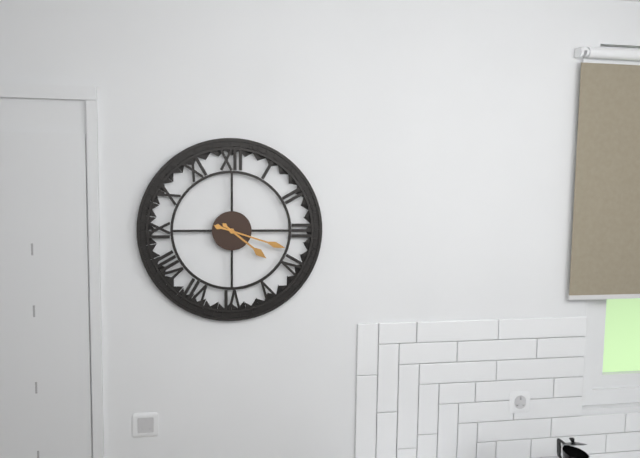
4.18
